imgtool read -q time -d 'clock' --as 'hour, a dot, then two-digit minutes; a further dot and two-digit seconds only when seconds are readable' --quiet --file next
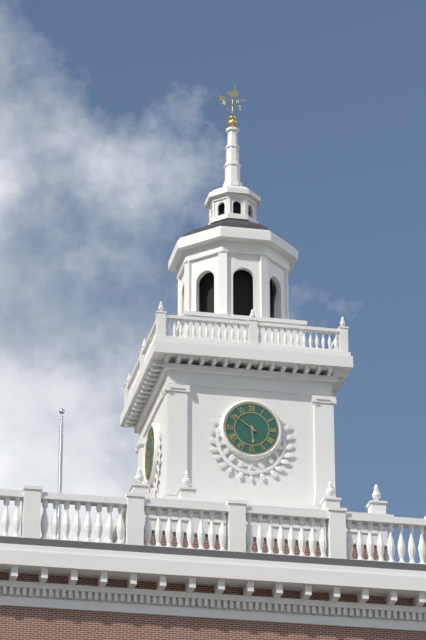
5.51
